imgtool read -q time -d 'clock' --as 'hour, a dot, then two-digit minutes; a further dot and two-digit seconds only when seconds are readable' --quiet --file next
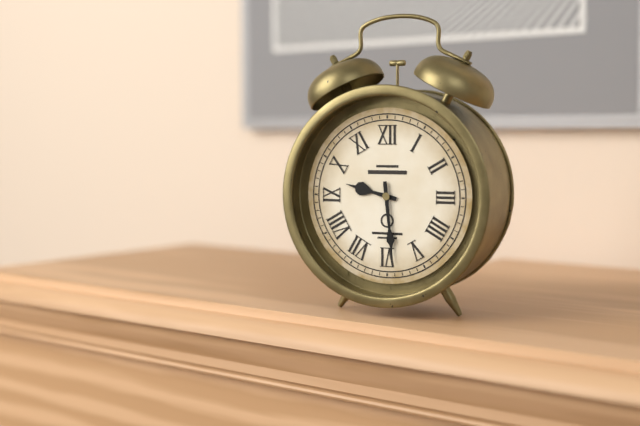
9.29
